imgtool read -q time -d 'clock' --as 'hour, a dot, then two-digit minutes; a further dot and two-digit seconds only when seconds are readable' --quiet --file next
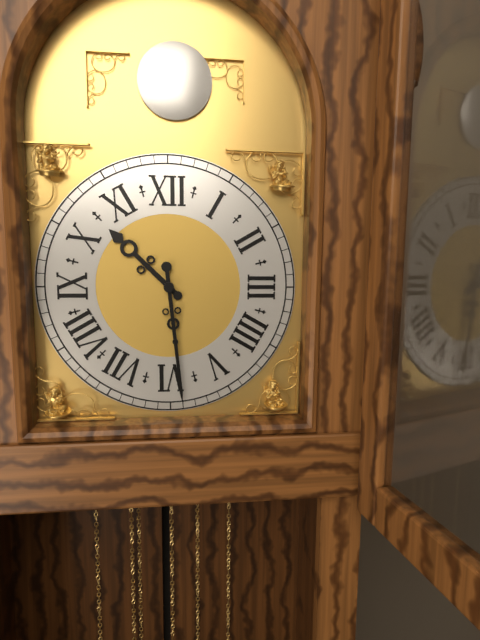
10.29
